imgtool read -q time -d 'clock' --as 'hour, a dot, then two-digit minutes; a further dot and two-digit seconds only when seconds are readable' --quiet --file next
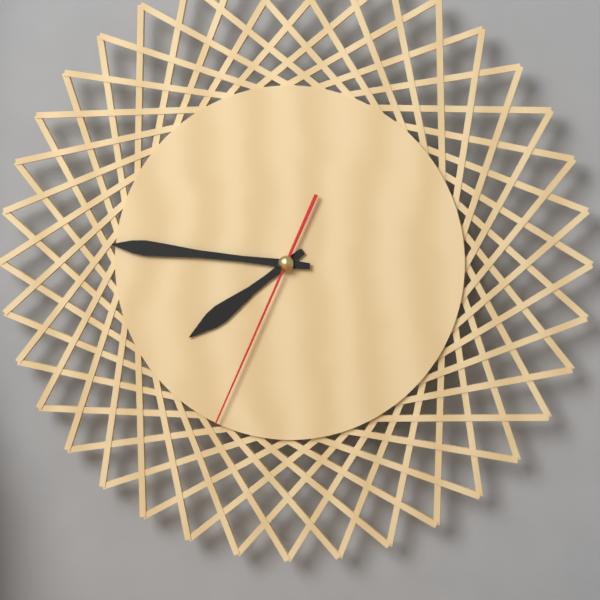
7.46.34
